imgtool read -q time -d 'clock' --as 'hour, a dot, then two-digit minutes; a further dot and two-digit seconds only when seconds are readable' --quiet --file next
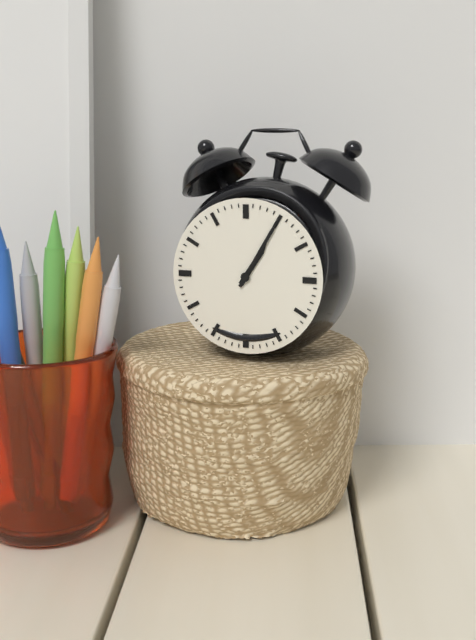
1.05
